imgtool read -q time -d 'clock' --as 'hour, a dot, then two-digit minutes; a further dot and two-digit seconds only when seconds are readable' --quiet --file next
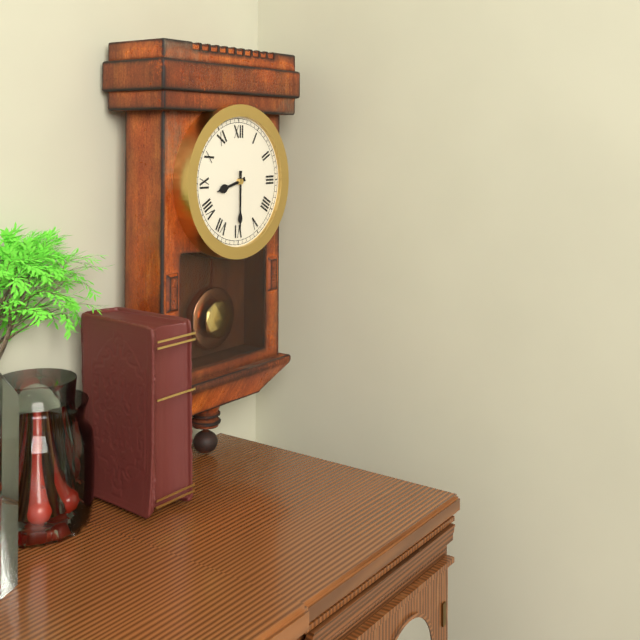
8.30
